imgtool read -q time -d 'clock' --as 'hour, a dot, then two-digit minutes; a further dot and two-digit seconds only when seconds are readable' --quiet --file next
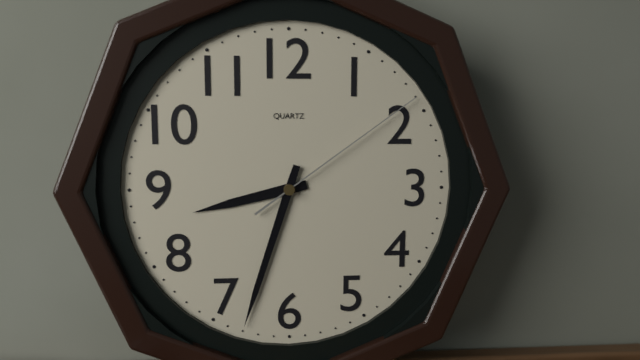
8.33.09
